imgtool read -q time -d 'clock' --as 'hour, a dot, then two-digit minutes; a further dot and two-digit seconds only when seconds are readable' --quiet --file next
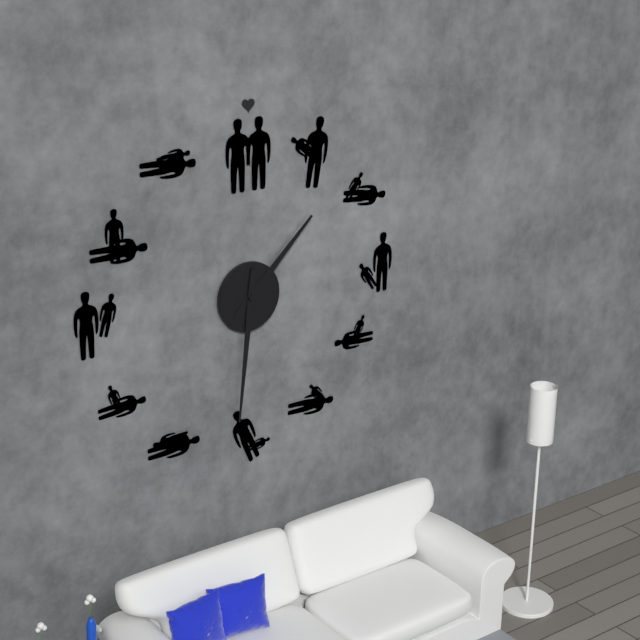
1.31
